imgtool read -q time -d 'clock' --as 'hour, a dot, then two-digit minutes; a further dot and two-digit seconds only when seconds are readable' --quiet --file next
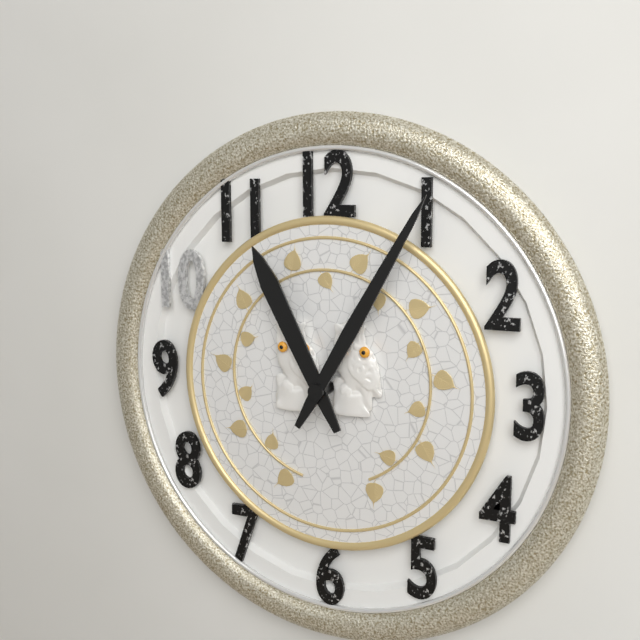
11.05
